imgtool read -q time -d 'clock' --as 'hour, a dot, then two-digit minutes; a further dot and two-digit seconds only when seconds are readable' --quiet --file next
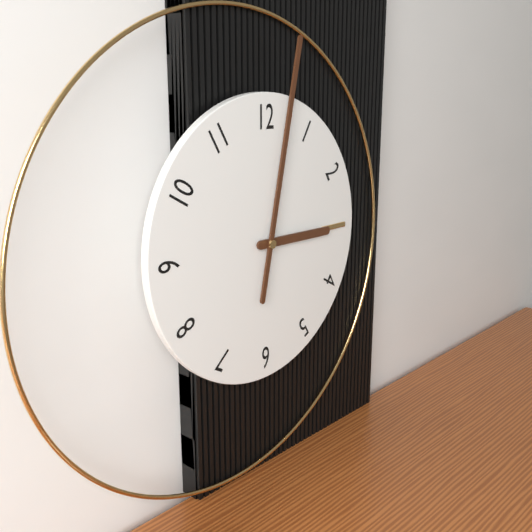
3.02
